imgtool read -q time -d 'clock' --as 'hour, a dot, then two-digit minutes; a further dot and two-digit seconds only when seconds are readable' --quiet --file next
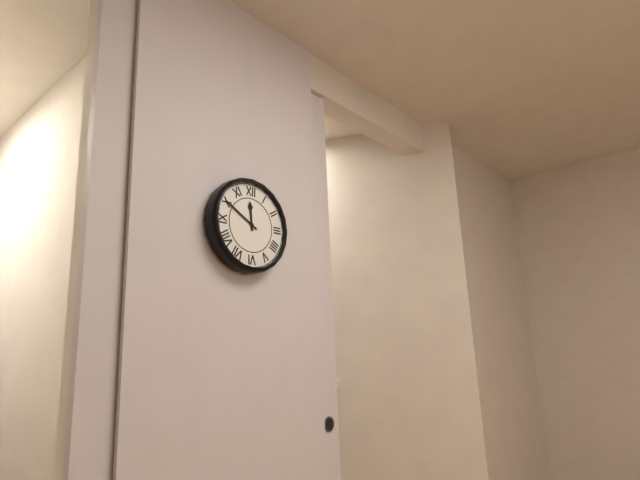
11.50
